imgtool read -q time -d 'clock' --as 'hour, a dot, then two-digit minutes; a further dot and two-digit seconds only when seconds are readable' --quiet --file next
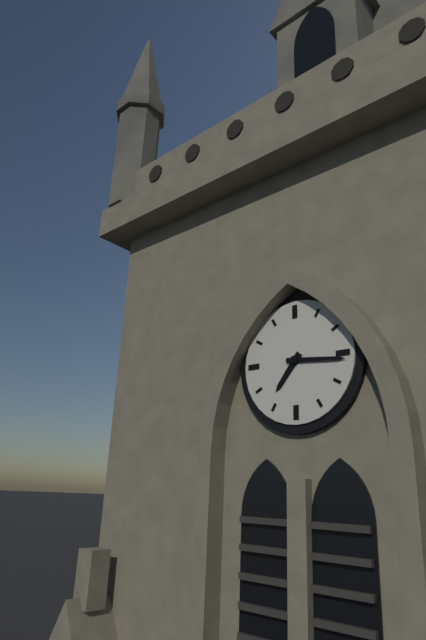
7.16
